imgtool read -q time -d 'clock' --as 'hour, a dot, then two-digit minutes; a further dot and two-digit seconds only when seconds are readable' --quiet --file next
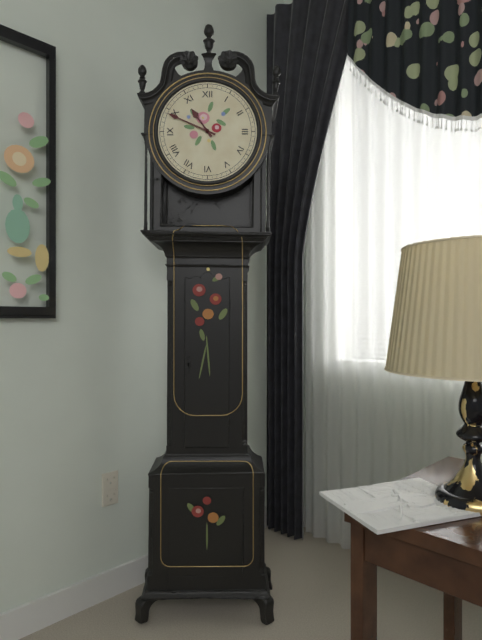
10.49
